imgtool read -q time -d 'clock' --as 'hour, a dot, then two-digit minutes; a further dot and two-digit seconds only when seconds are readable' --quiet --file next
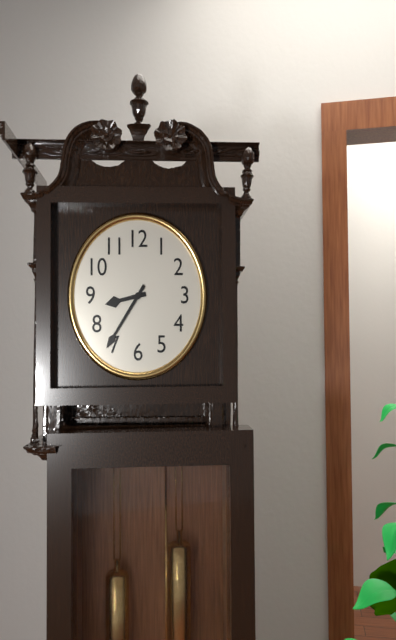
8.36
